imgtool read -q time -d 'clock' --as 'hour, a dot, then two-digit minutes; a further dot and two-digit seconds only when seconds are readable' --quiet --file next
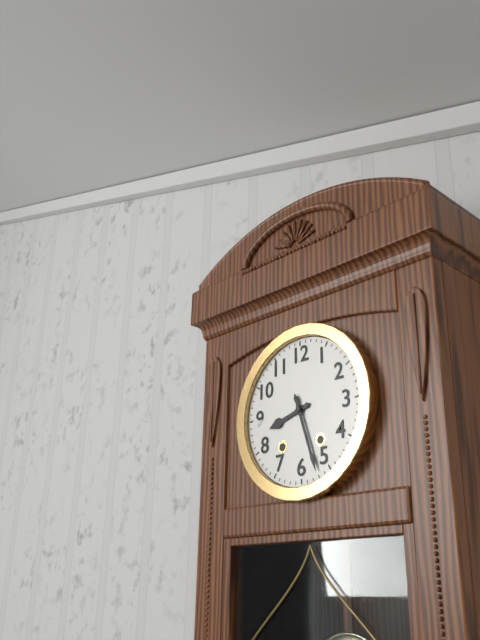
8.27
